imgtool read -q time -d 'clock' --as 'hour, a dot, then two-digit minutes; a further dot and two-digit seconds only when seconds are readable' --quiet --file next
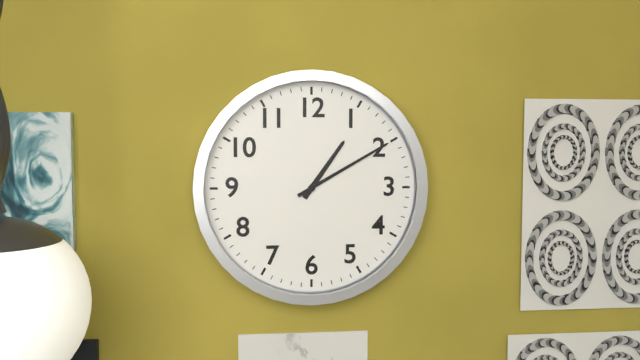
1.10
